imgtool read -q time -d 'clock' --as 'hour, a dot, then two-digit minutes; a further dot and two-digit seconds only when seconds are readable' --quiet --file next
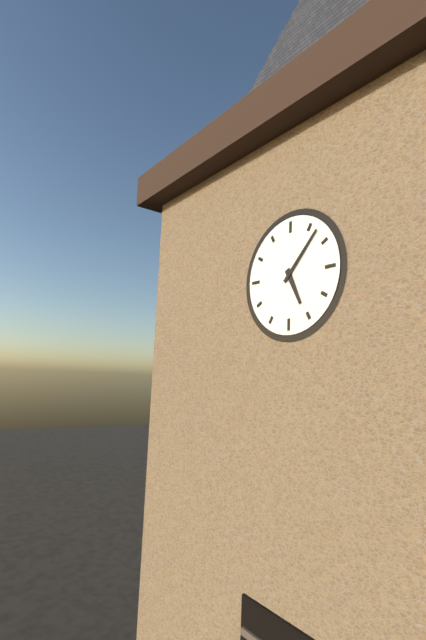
5.07
